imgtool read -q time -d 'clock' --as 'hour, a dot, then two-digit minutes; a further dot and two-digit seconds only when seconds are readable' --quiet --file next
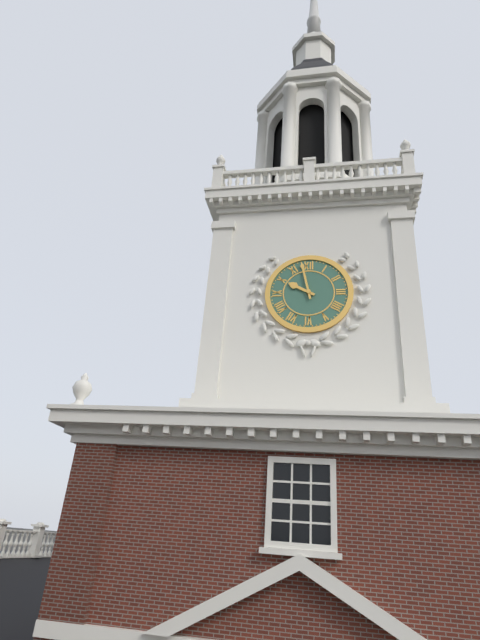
9.58
